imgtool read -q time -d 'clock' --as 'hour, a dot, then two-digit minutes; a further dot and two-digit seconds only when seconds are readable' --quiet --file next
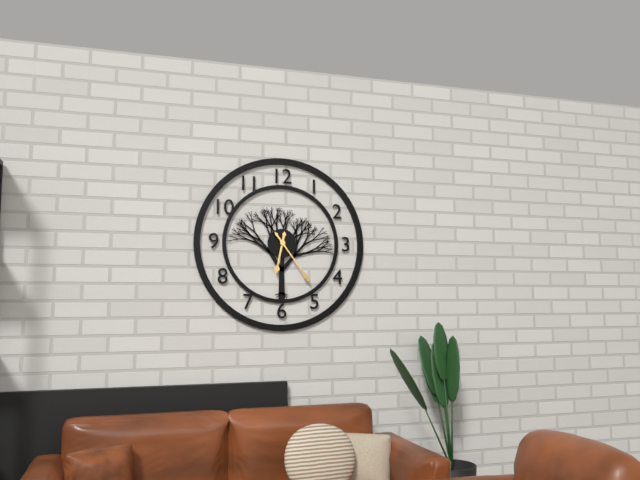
6.24
